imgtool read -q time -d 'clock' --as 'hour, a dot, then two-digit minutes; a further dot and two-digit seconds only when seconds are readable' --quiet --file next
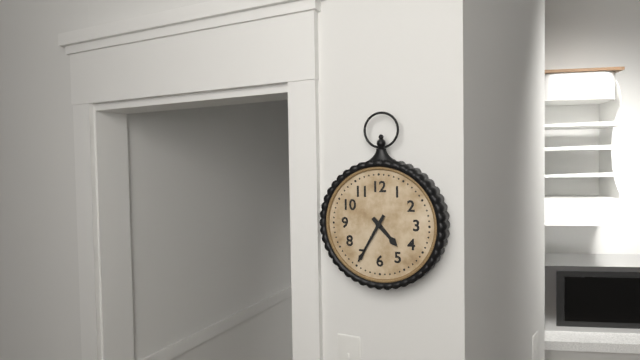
4.35
